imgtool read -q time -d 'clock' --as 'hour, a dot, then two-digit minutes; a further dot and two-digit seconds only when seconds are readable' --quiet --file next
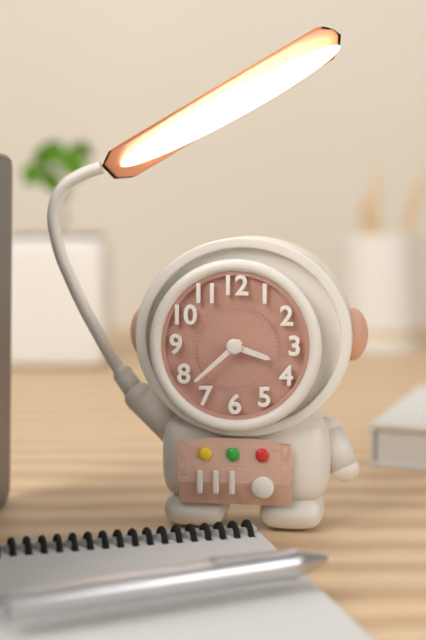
3.38
